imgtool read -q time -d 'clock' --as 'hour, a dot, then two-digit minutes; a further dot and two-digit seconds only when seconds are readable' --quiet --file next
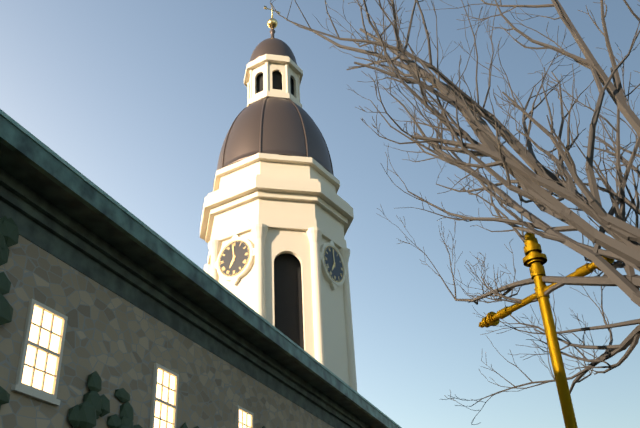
6.59
